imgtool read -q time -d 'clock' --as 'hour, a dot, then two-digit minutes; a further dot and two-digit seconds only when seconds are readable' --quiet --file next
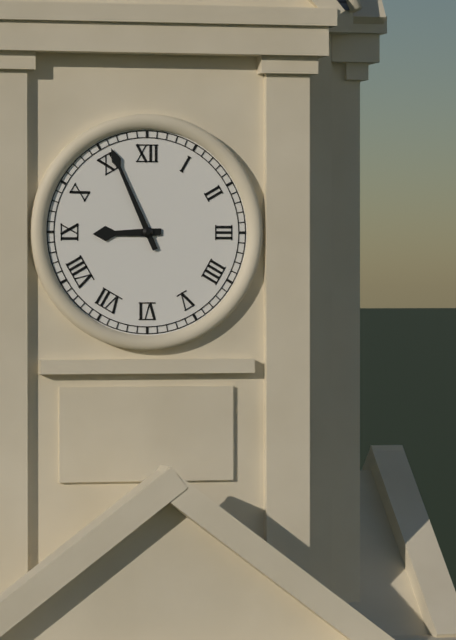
8.56
